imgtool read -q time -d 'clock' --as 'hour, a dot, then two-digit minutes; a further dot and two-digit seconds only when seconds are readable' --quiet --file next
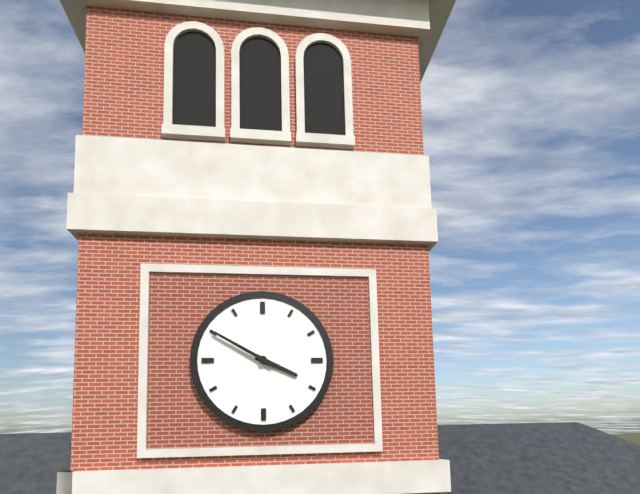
3.50
